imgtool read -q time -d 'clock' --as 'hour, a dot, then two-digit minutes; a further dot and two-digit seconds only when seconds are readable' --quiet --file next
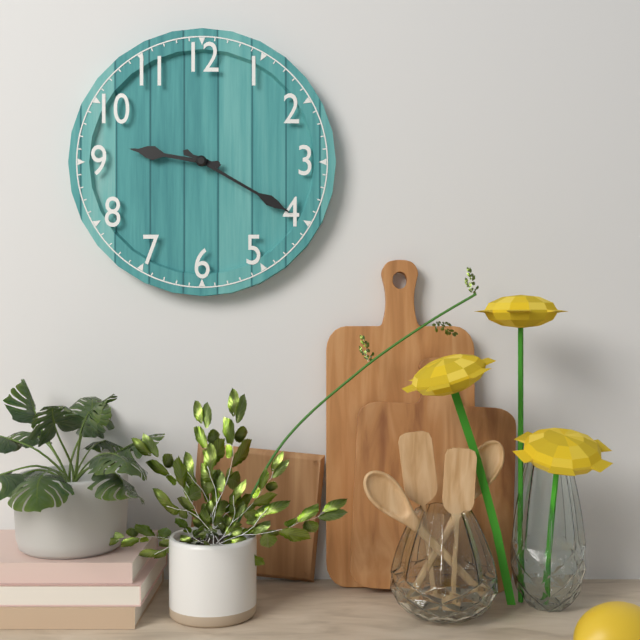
9.20
